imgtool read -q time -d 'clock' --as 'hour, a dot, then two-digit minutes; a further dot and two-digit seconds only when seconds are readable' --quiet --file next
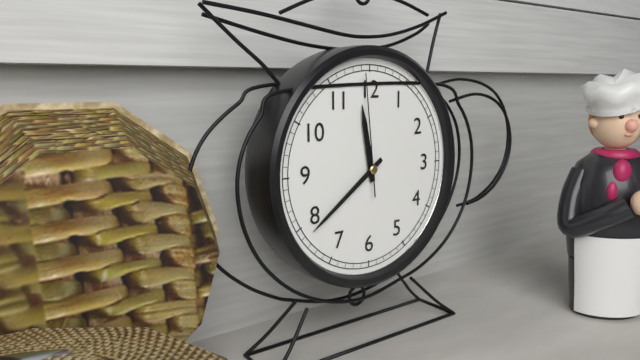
11.39.59
